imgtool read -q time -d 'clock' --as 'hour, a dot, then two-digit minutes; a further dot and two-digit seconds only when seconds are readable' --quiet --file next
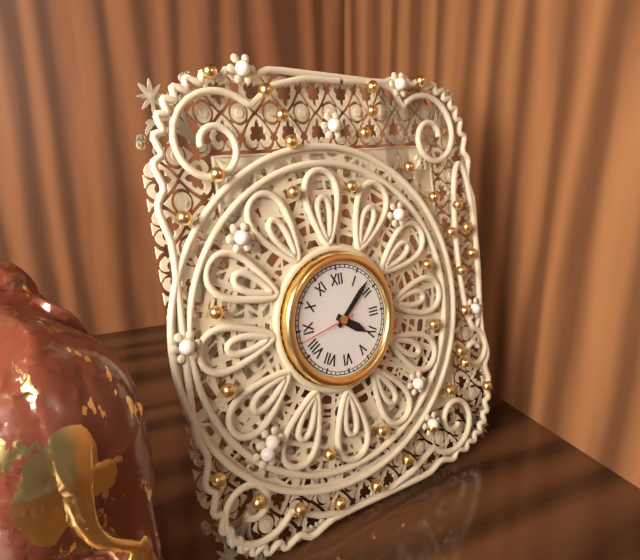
4.08.43
